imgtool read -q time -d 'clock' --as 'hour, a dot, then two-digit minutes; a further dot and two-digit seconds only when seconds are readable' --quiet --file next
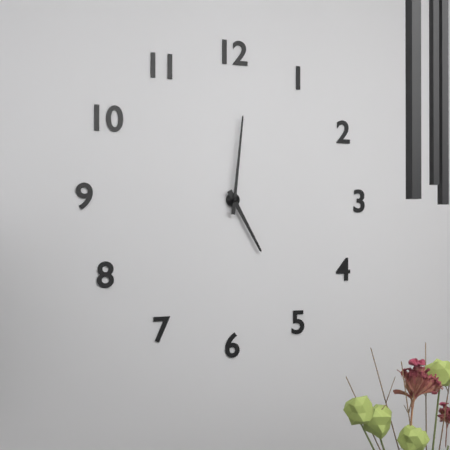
5.01
